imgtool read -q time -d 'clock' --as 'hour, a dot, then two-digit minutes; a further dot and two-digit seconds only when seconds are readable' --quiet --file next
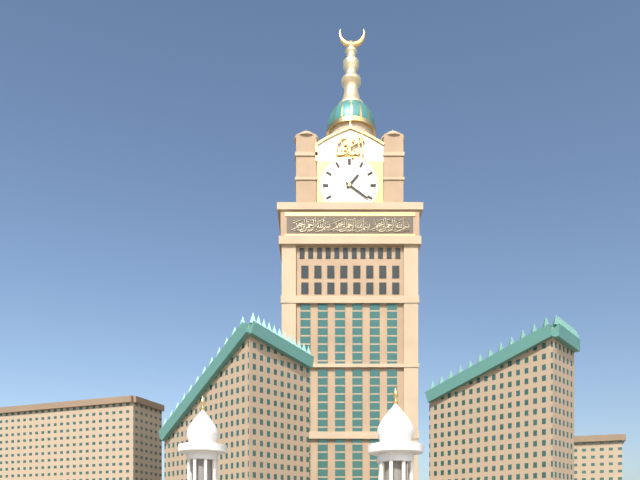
1.21
